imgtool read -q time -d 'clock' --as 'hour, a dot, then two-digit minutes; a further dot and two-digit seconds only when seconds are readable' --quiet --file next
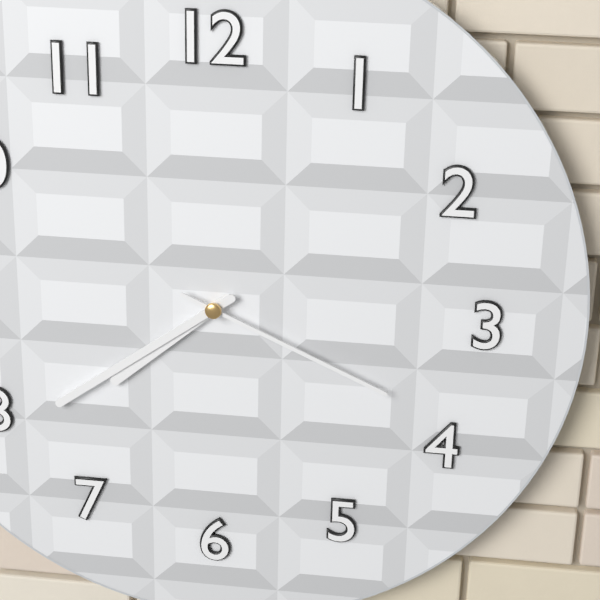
7.39.19
